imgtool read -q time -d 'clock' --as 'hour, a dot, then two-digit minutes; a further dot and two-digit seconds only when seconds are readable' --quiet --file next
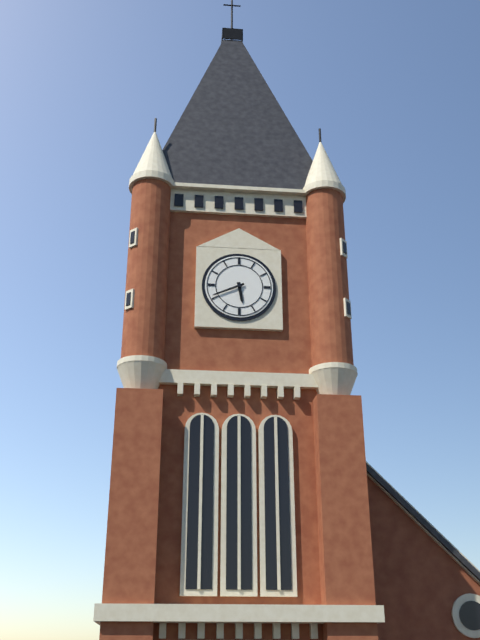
5.41
